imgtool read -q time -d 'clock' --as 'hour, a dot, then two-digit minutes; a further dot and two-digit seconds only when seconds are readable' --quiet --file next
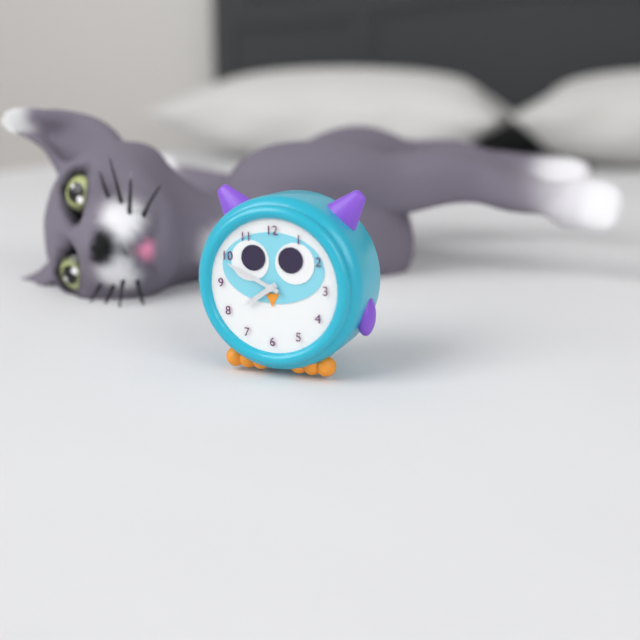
7.49
